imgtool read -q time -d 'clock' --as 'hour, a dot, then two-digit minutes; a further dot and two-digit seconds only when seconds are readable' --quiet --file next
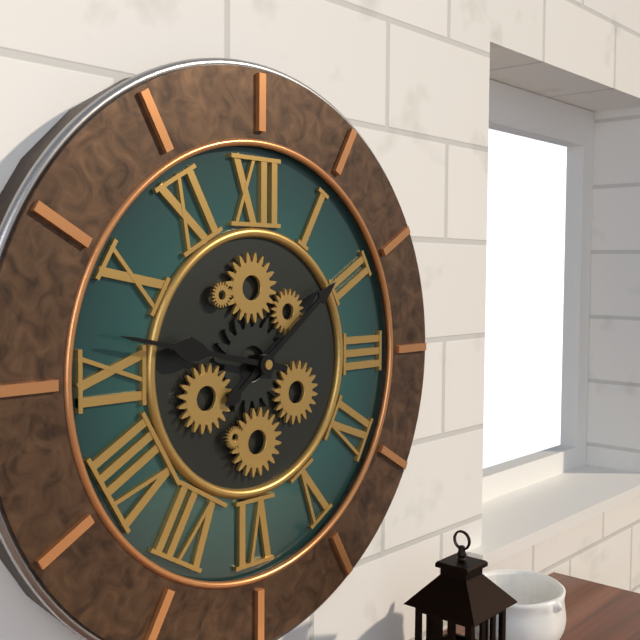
1.47
